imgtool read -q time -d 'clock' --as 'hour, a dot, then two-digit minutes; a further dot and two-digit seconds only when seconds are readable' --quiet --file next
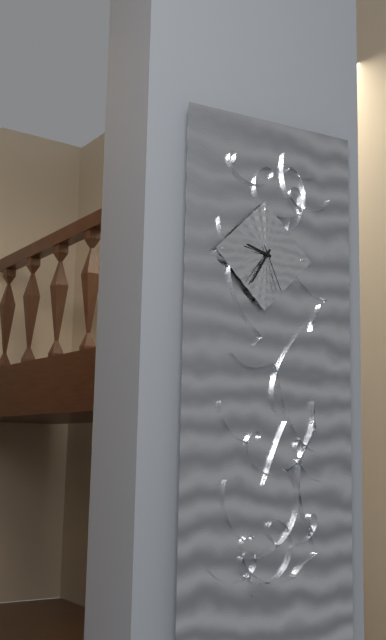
9.35.26
